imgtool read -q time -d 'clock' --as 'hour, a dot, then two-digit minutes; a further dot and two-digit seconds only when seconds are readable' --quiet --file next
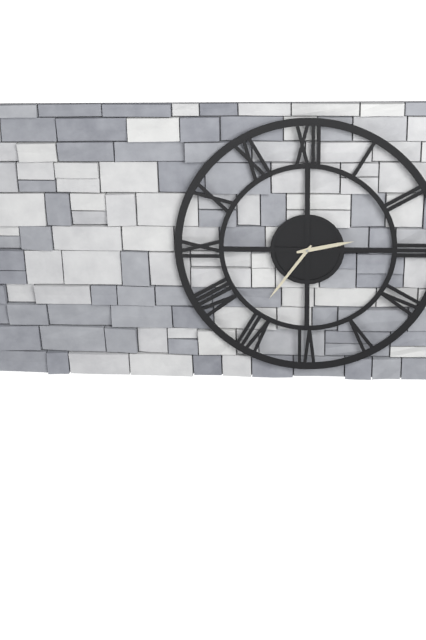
2.36
